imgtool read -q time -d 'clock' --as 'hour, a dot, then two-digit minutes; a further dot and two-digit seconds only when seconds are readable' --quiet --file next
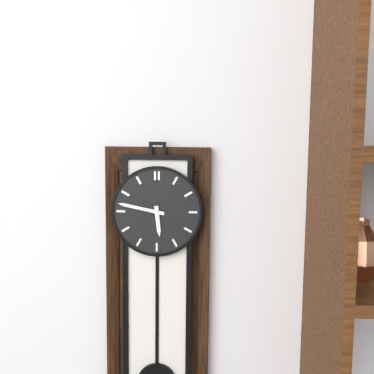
5.47
